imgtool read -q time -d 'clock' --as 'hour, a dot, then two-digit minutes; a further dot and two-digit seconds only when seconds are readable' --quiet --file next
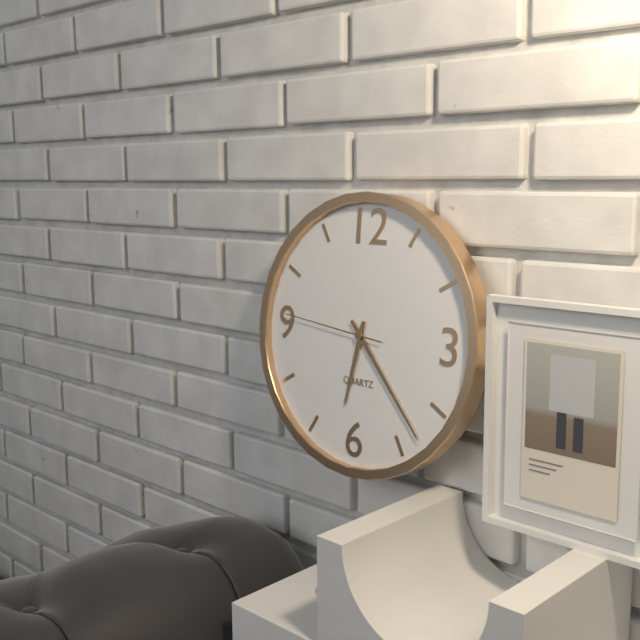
6.23.46
